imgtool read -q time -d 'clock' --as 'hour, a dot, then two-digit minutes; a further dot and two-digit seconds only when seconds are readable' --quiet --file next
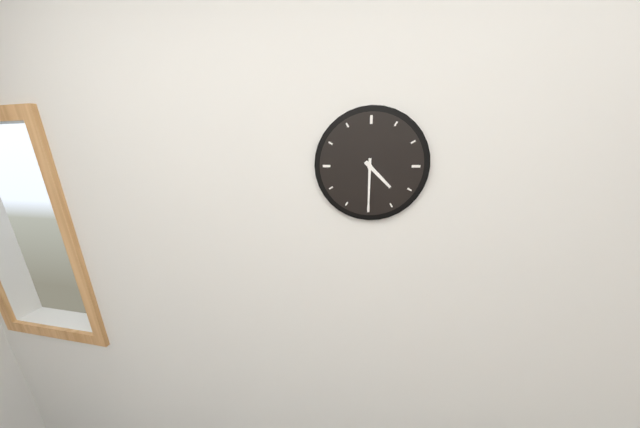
4.30
